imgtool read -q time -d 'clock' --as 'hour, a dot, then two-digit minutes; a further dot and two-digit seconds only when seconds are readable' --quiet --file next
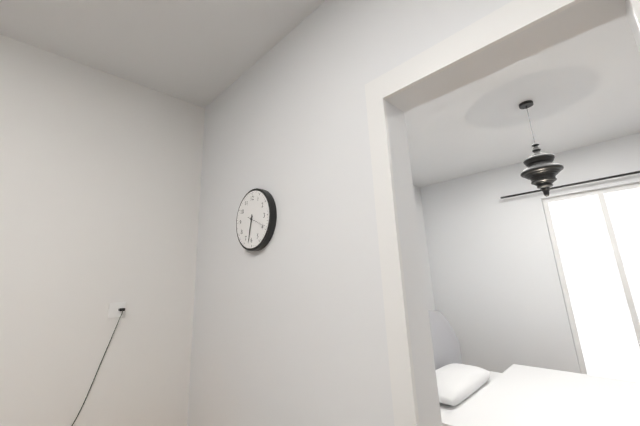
6.32
